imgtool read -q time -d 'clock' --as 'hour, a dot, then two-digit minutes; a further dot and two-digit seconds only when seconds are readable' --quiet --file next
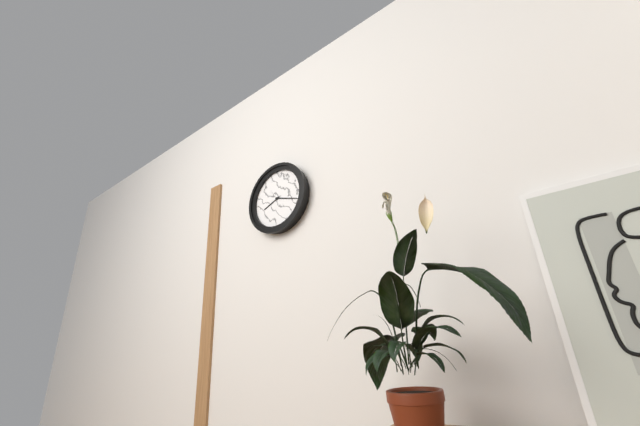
8.18
